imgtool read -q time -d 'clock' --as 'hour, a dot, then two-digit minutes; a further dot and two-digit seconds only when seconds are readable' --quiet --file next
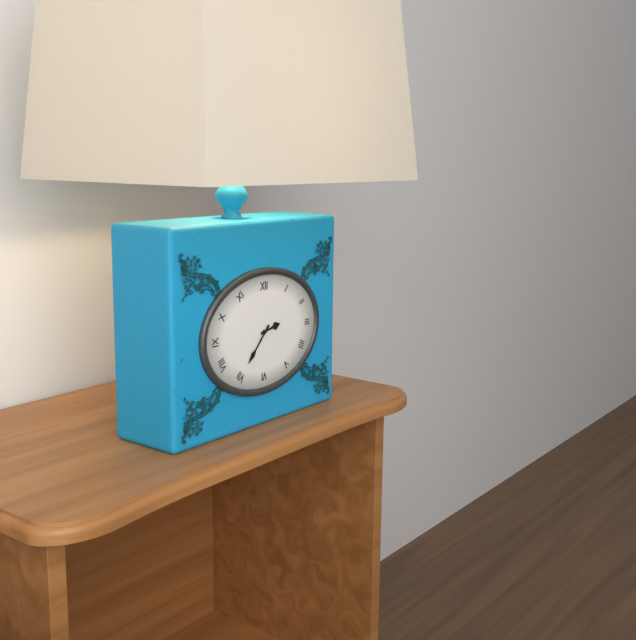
2.37
